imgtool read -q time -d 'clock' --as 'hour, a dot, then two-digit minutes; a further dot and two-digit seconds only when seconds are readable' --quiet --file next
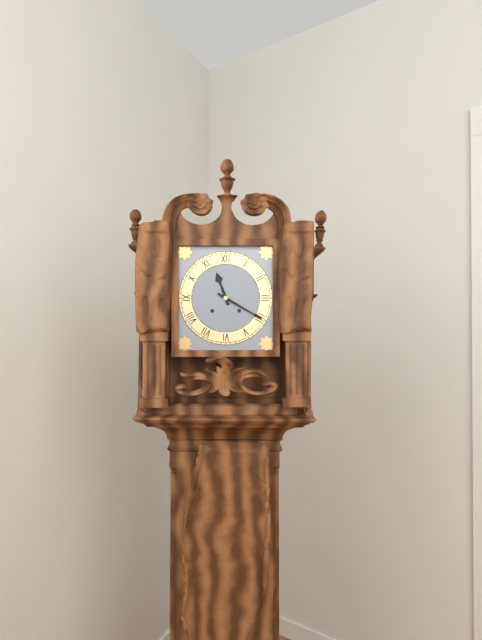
11.20
